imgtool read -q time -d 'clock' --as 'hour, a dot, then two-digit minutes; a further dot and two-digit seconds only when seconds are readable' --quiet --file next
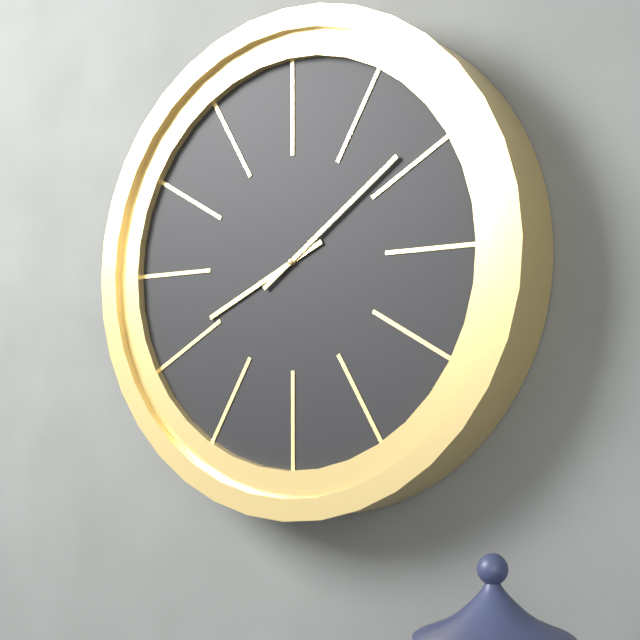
8.09
